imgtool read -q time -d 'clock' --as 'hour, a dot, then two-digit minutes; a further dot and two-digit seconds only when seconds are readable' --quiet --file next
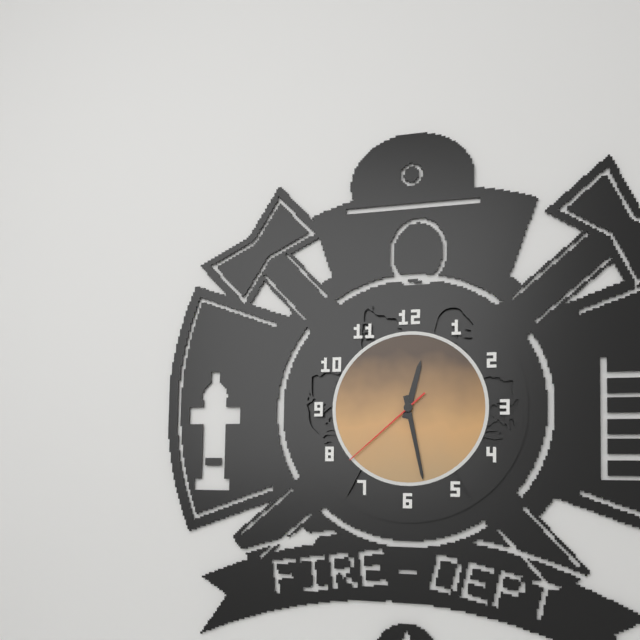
12.28.38
